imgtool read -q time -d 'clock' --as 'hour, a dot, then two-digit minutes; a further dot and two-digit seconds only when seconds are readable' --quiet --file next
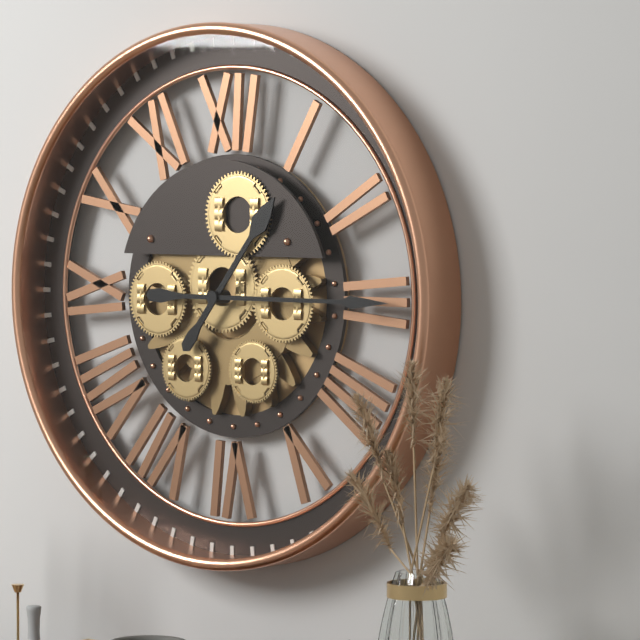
1.15
